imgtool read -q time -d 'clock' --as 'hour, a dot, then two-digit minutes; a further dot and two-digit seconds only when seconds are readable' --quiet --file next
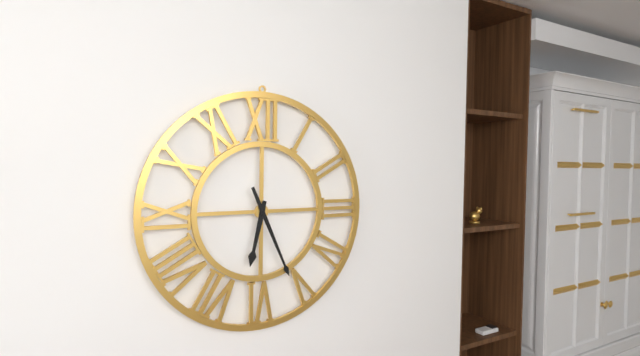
6.26
